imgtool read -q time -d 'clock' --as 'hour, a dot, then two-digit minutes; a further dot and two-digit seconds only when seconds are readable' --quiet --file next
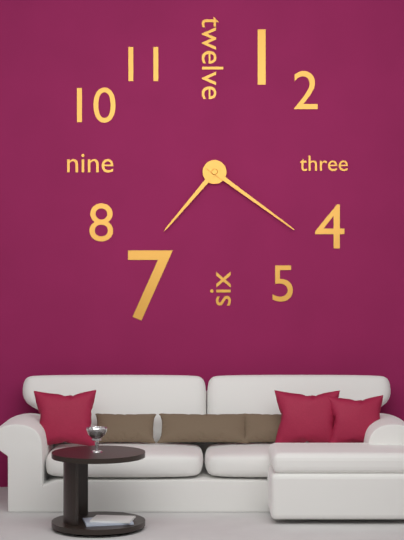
7.21
